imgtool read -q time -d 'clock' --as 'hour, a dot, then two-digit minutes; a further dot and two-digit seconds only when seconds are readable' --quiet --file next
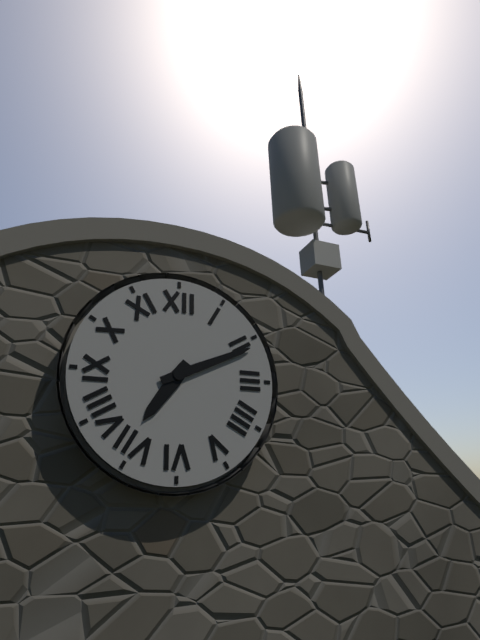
7.11
